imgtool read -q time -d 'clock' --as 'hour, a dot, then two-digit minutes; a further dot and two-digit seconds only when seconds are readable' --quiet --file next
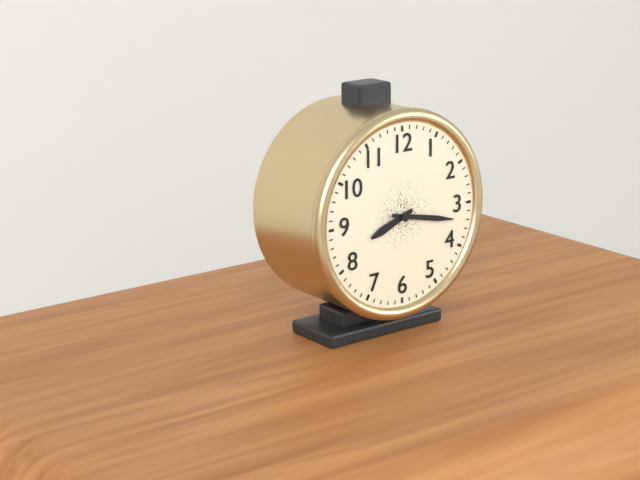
8.17
